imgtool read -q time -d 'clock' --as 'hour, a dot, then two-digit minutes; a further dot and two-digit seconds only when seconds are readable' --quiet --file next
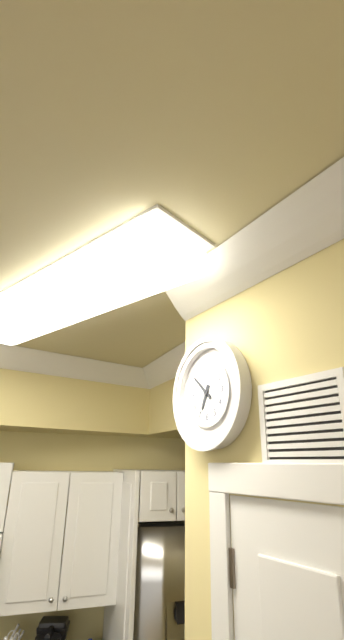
6.52
